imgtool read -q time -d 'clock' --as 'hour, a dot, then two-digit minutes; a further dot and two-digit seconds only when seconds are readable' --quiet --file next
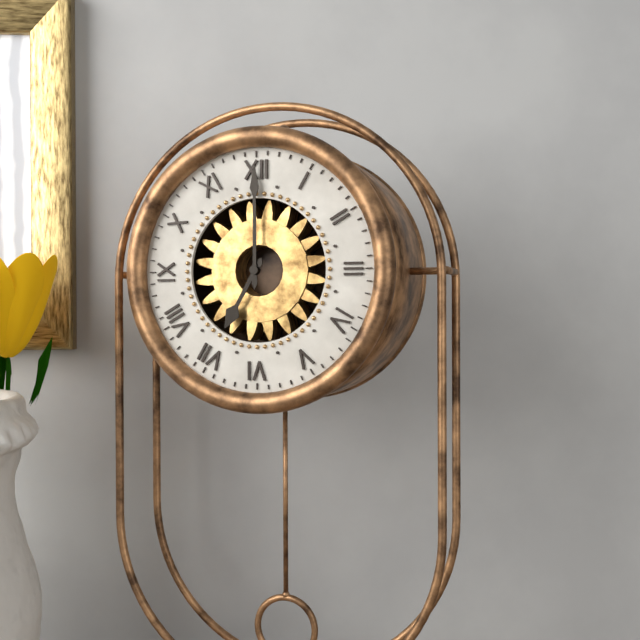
7.00
